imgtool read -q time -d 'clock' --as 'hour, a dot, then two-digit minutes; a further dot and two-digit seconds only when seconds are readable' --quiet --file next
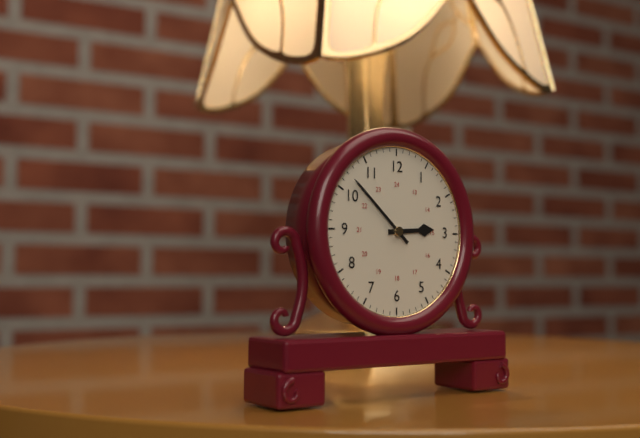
2.52
